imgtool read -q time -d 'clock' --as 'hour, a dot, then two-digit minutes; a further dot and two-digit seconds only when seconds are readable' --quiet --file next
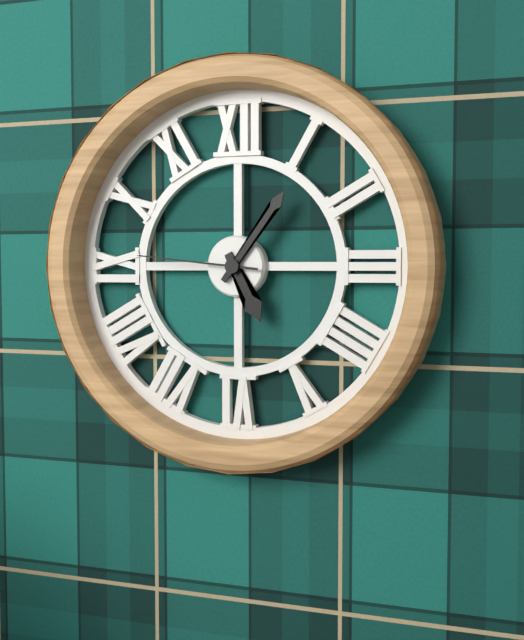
5.06.46
